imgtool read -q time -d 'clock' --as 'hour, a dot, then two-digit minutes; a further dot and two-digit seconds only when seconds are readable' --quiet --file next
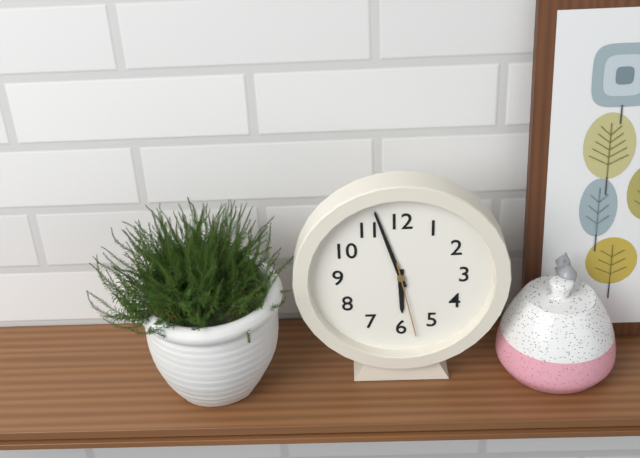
5.57.28
